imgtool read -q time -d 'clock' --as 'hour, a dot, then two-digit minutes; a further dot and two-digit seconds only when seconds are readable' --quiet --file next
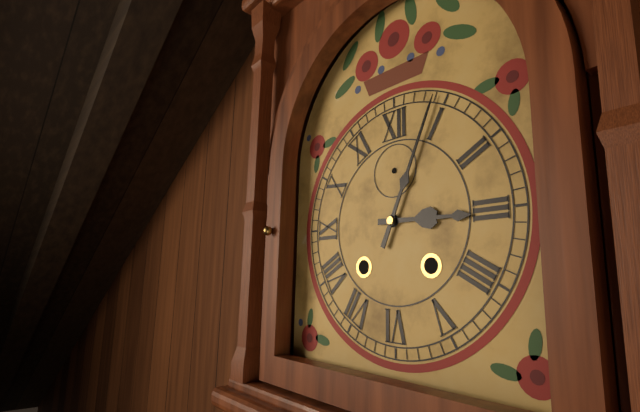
3.04
